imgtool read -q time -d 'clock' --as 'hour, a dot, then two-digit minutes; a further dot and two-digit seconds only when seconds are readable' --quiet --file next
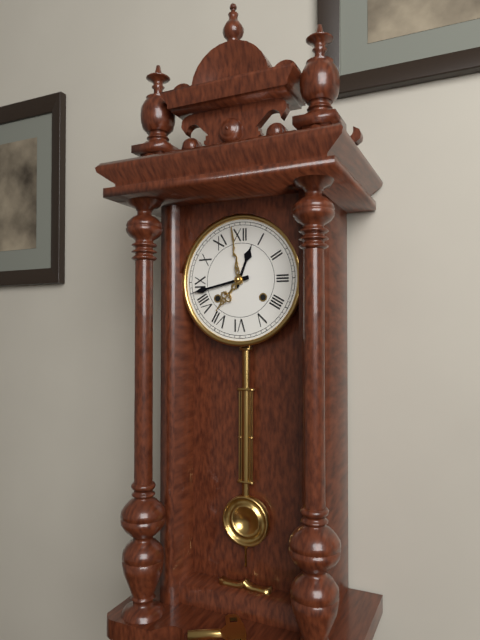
12.43
